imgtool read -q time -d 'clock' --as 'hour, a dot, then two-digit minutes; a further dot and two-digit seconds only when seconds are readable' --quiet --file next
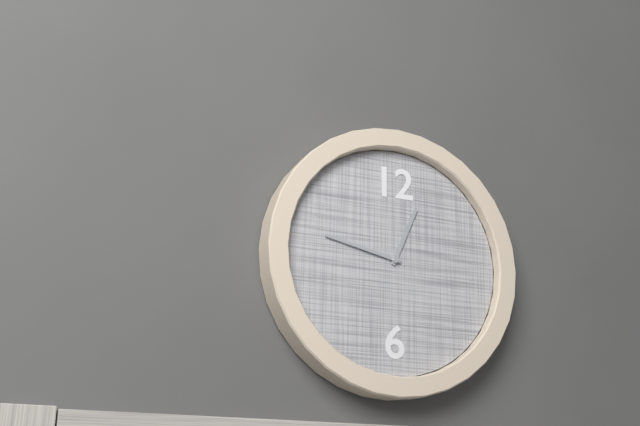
12.47
